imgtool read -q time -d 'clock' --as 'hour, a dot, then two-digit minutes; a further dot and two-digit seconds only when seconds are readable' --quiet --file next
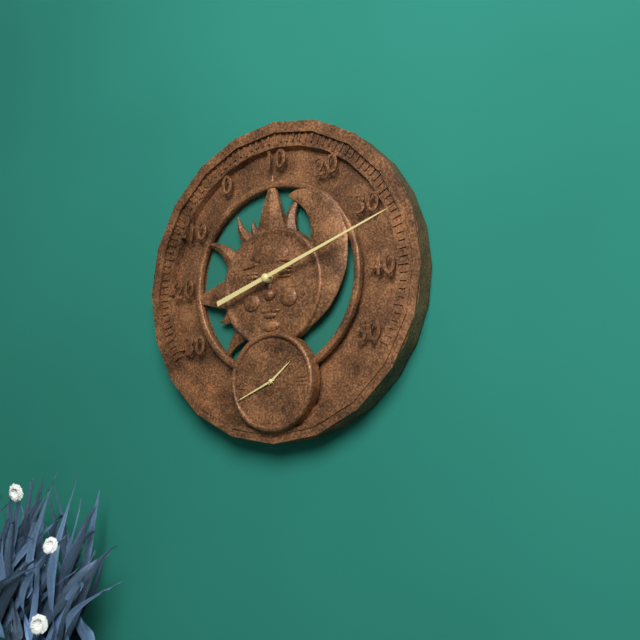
1.41
